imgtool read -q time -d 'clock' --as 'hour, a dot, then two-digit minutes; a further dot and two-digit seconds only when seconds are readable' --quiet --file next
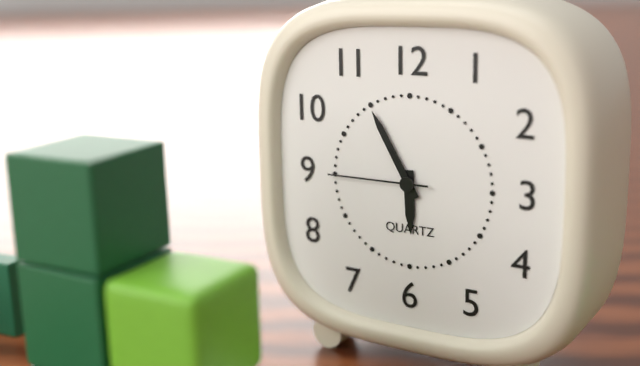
5.55.45
